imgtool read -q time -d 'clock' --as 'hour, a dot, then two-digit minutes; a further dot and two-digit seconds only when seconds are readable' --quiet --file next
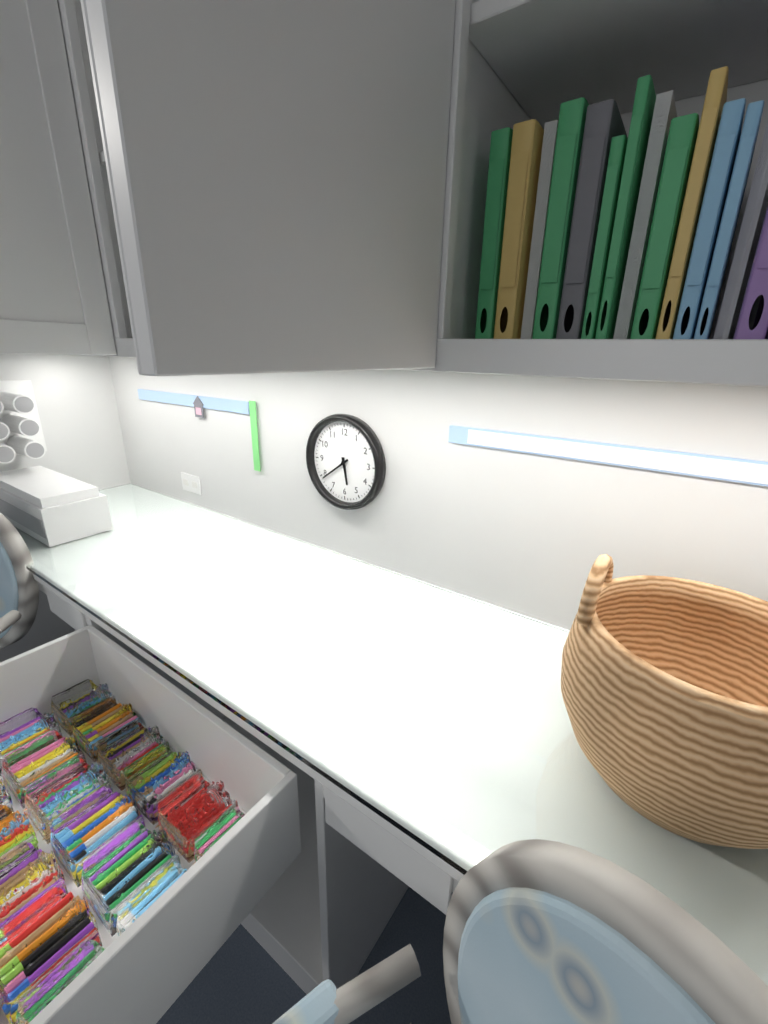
5.39
